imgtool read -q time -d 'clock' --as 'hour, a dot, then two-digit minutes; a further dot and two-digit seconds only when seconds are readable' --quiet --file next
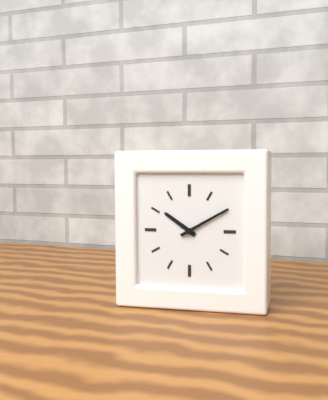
10.10
